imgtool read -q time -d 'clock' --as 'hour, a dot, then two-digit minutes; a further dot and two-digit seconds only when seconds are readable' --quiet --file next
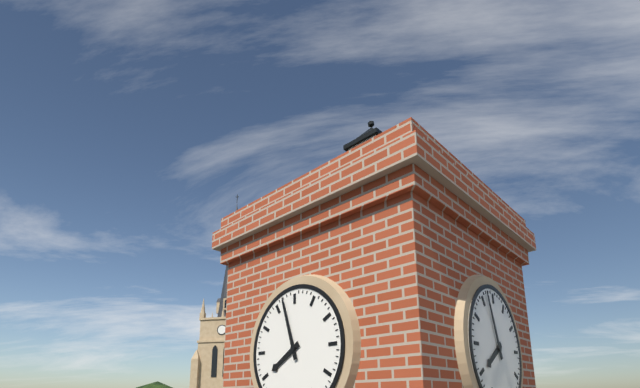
7.57
